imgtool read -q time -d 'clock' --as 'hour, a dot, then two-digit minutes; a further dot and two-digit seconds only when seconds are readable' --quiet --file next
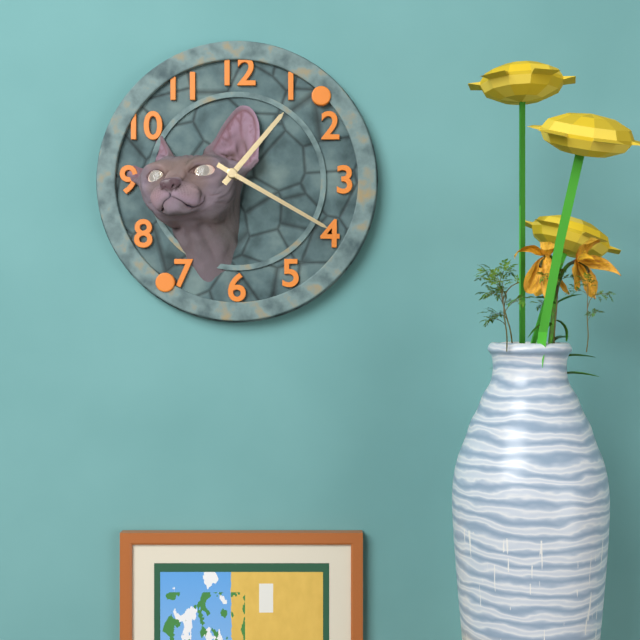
1.20
